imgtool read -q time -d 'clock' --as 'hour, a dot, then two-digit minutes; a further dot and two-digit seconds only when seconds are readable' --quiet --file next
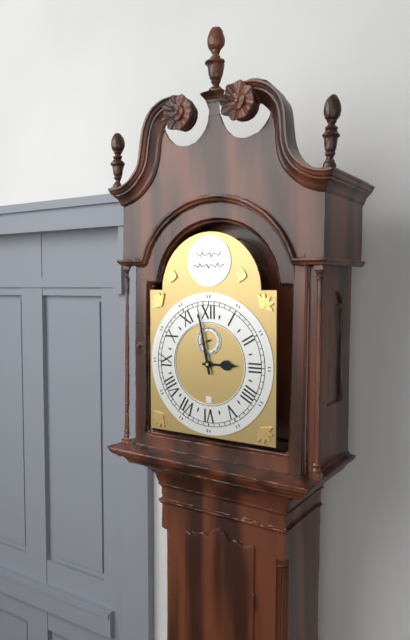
2.58
